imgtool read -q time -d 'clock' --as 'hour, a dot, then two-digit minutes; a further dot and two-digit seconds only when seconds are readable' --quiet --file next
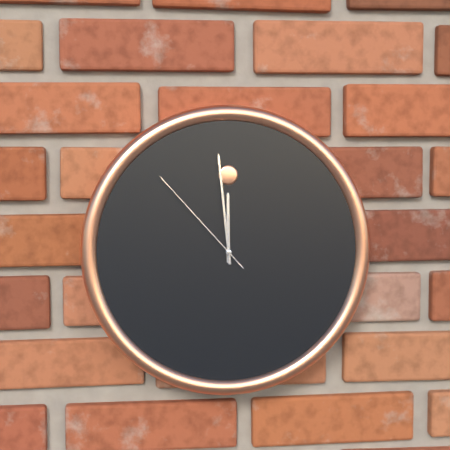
11.59.53
